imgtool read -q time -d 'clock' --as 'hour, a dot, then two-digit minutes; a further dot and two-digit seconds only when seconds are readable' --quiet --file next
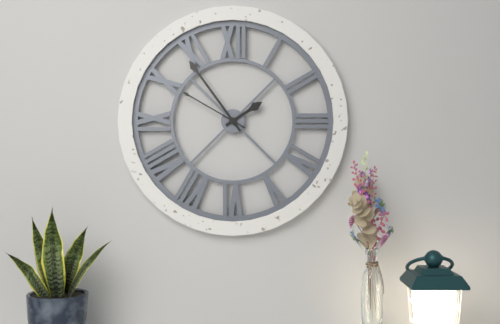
1.54.50
